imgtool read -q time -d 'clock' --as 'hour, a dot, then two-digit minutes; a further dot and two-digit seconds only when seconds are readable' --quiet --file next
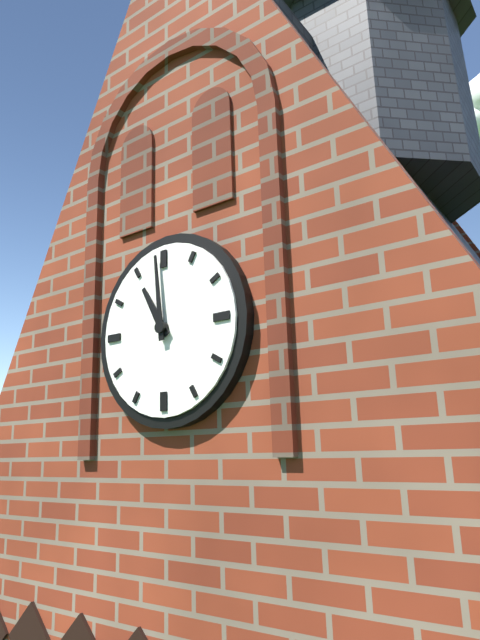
10.59
